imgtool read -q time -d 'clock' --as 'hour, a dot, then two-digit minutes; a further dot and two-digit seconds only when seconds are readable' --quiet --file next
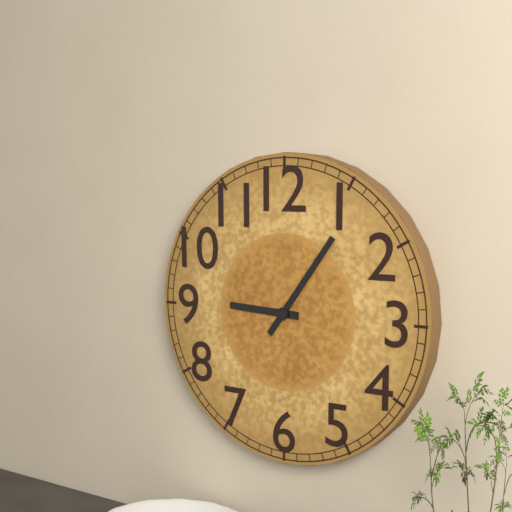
9.06
